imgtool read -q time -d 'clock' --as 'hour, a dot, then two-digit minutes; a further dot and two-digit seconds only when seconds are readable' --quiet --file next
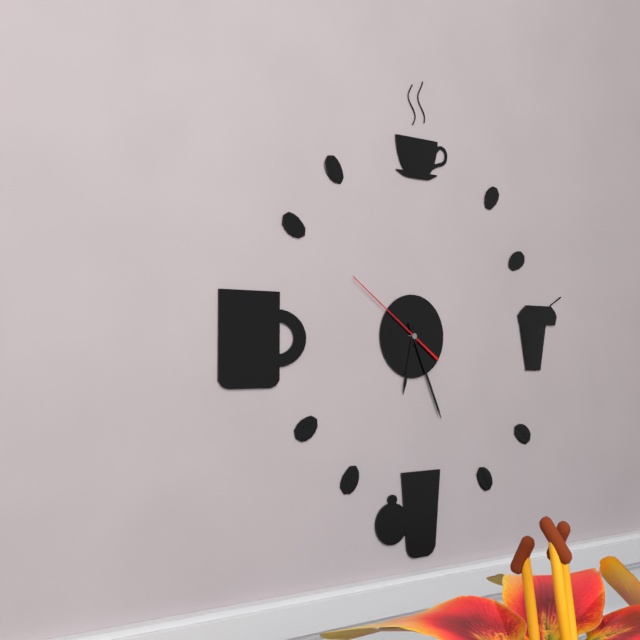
6.26.51
